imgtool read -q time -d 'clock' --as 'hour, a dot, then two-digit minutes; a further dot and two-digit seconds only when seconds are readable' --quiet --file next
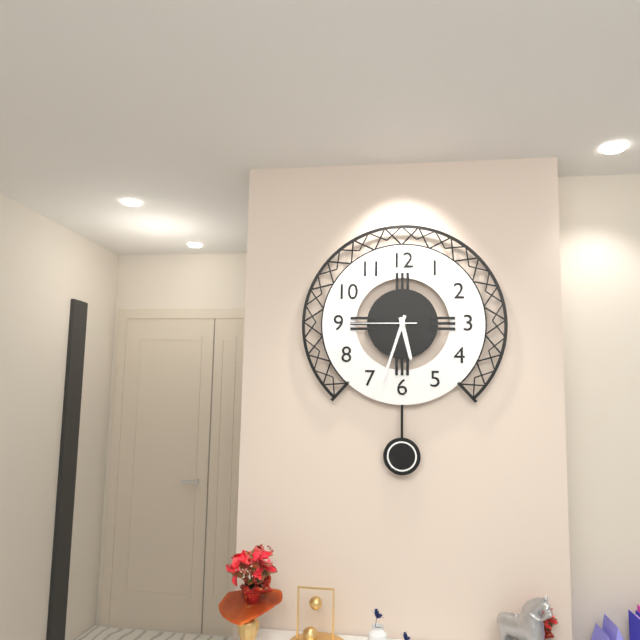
5.33.45
